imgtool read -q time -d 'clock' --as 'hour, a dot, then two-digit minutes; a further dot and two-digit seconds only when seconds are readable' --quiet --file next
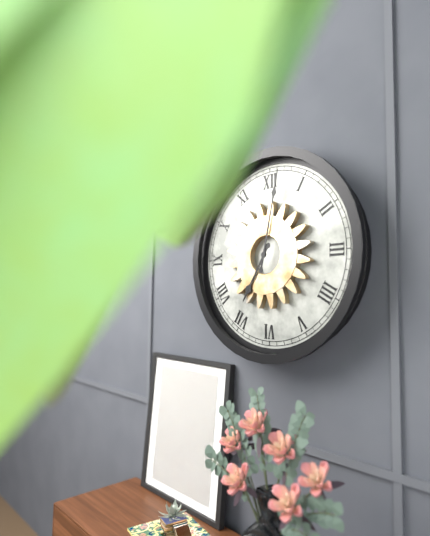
7.02
